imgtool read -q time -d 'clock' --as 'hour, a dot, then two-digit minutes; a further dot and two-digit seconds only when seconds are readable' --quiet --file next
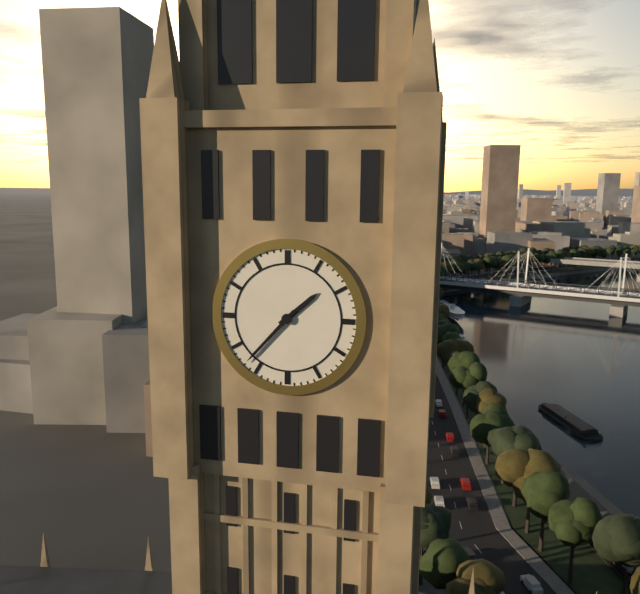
1.37
